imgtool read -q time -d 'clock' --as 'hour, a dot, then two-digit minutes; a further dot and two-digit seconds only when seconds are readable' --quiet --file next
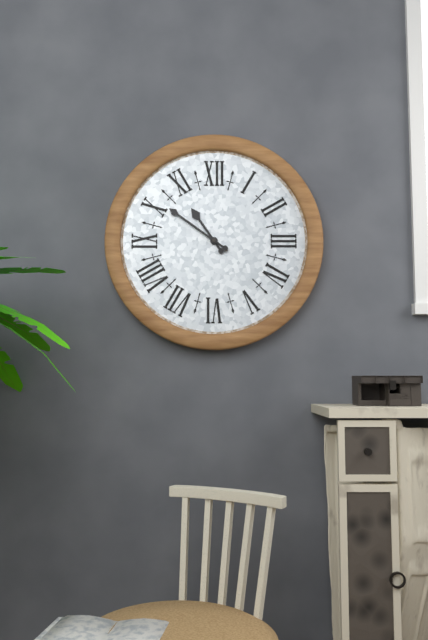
10.51
